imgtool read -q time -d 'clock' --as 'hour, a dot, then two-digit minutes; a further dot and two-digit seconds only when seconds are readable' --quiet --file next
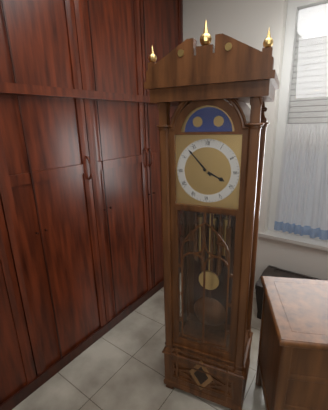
3.53
